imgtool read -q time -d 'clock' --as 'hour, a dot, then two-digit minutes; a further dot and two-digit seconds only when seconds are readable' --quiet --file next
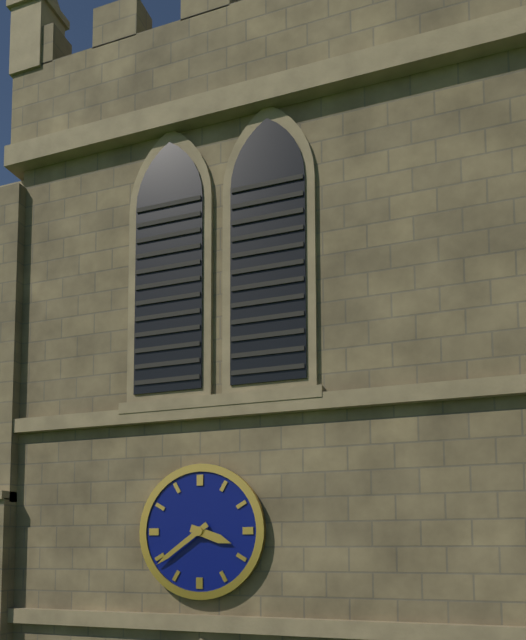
3.39
